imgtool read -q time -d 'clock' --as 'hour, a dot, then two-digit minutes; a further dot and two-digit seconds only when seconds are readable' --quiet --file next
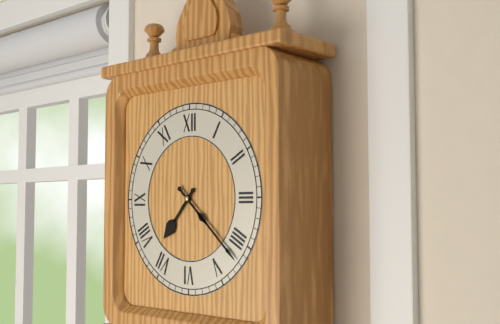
7.22
